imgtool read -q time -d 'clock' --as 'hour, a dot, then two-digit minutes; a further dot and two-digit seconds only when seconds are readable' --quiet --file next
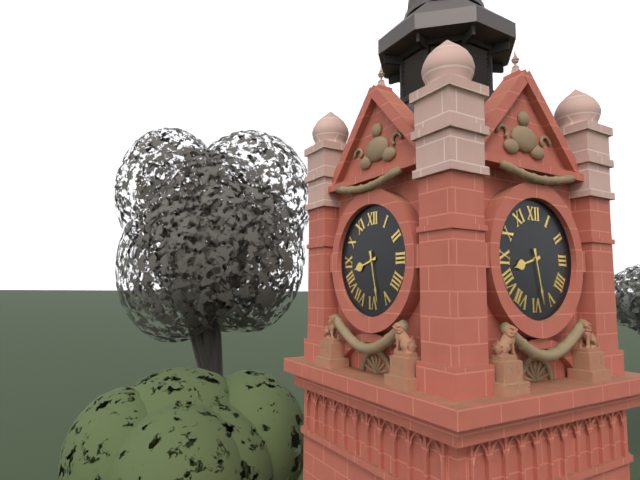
8.28
